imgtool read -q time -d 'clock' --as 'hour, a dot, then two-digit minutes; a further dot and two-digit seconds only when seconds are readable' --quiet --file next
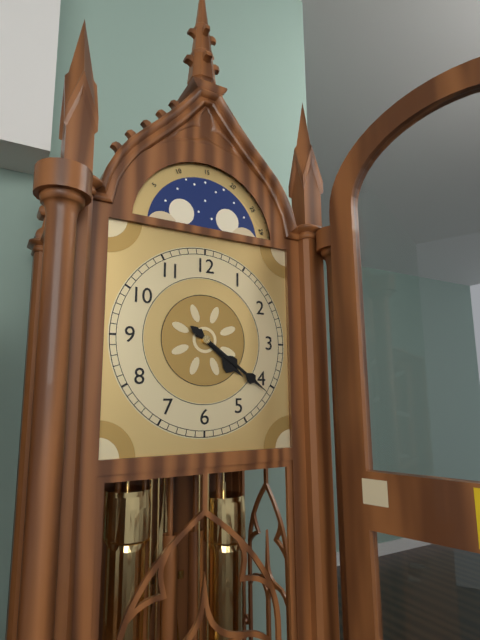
4.21
